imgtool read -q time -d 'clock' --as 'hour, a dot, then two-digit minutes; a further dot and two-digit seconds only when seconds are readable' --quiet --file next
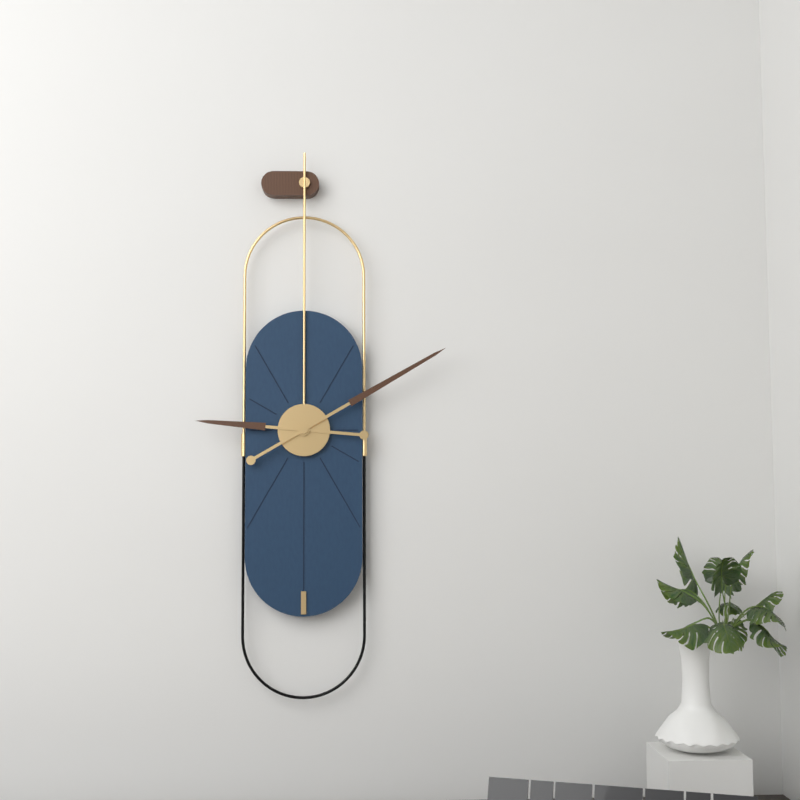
9.10
